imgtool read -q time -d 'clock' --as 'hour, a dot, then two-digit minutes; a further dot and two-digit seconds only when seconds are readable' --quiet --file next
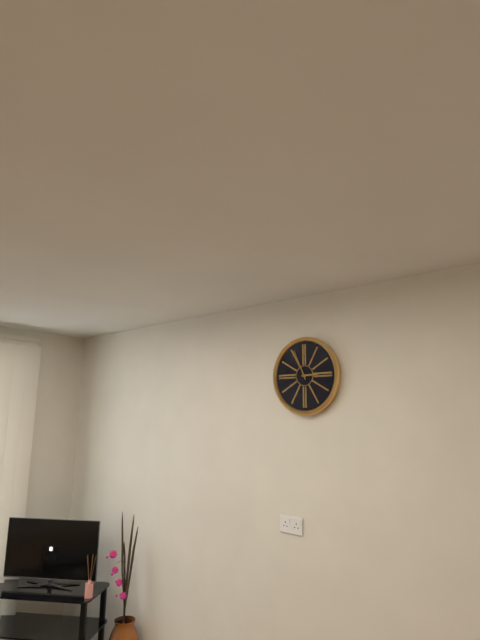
2.56
